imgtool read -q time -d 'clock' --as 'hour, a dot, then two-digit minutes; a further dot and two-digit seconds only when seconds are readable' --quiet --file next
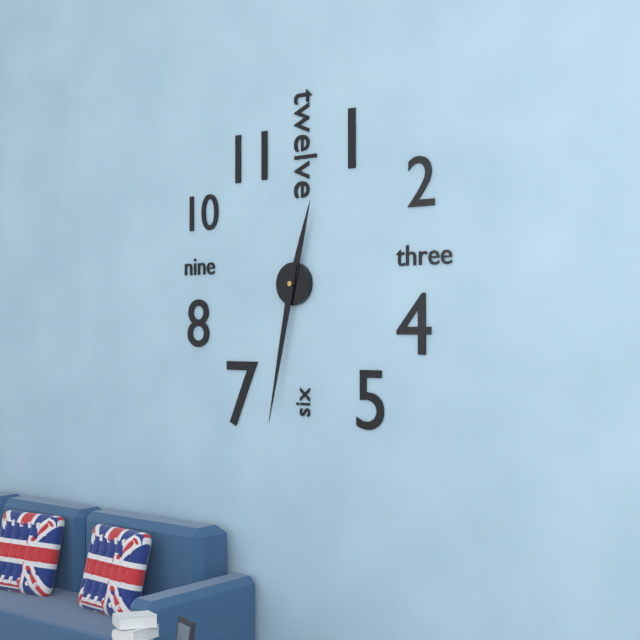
12.32
